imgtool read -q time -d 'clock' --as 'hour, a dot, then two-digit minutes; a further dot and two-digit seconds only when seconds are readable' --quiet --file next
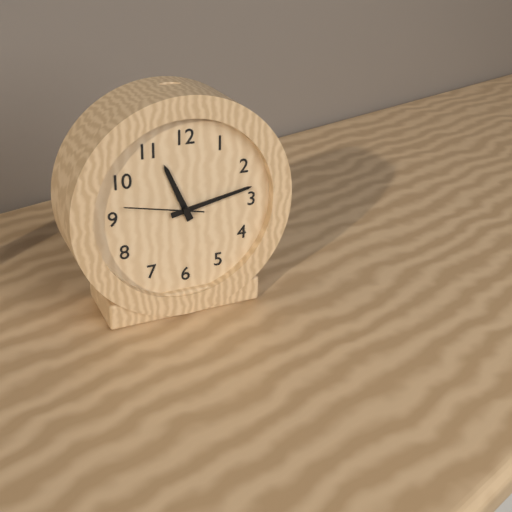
11.13.47
